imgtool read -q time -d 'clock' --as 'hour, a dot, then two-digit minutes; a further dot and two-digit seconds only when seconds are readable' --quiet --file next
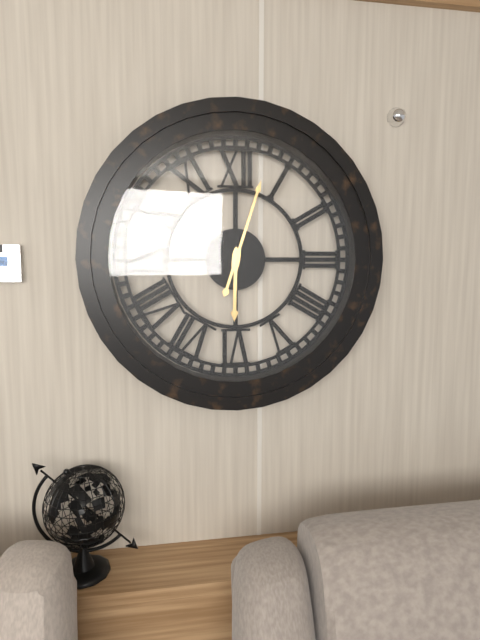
6.03
